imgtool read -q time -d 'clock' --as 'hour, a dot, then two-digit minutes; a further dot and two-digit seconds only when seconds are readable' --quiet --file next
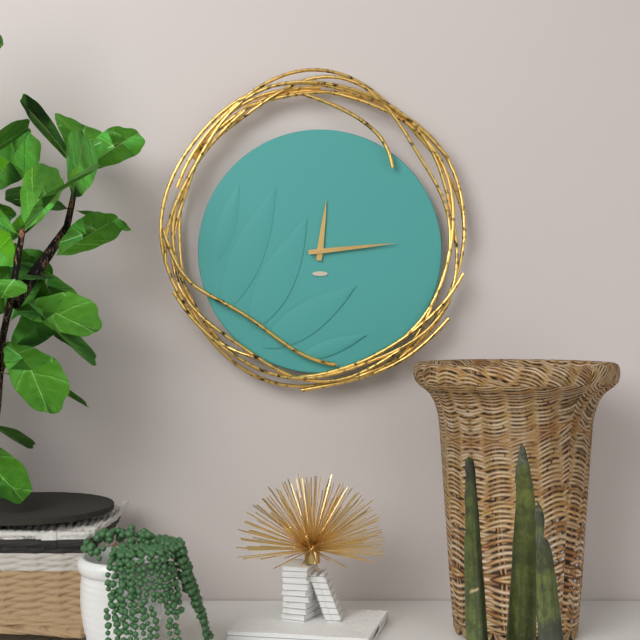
12.14
